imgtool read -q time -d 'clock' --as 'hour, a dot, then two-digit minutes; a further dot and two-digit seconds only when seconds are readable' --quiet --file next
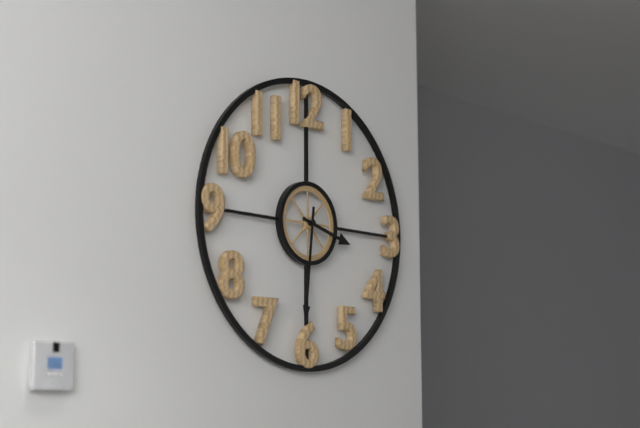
3.31
